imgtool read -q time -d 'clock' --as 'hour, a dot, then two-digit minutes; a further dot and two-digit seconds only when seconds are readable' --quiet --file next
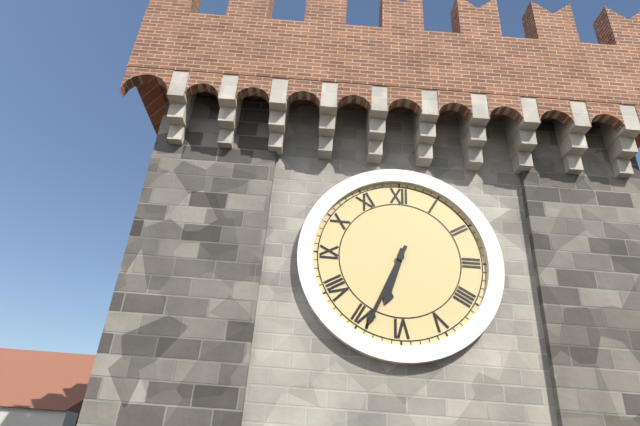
6.34
